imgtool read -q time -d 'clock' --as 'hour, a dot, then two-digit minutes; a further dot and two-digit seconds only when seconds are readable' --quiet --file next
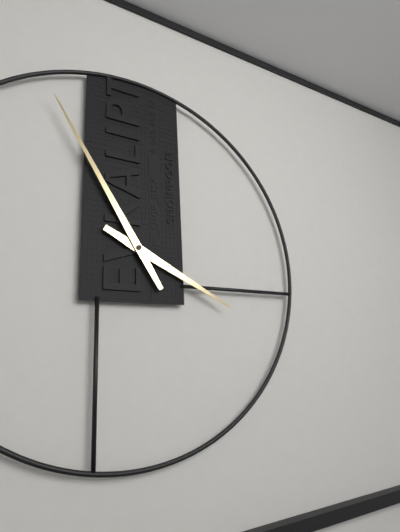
3.55
